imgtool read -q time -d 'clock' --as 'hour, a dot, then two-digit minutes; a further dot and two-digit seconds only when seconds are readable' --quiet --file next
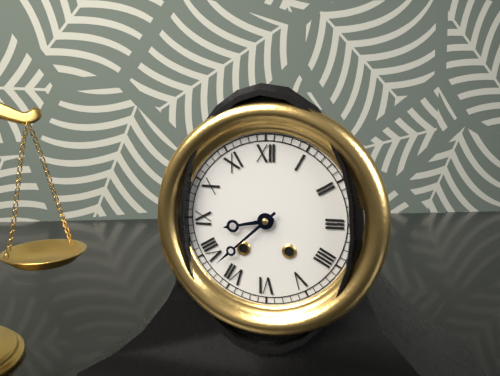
8.38
